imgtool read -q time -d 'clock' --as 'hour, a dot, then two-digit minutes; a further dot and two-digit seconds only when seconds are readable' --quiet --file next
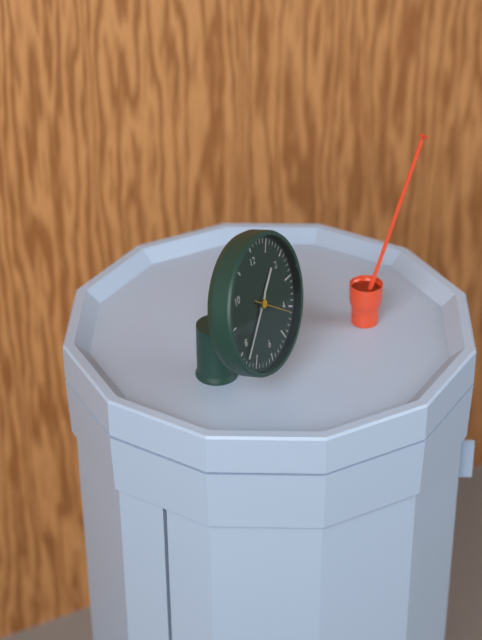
1.38
